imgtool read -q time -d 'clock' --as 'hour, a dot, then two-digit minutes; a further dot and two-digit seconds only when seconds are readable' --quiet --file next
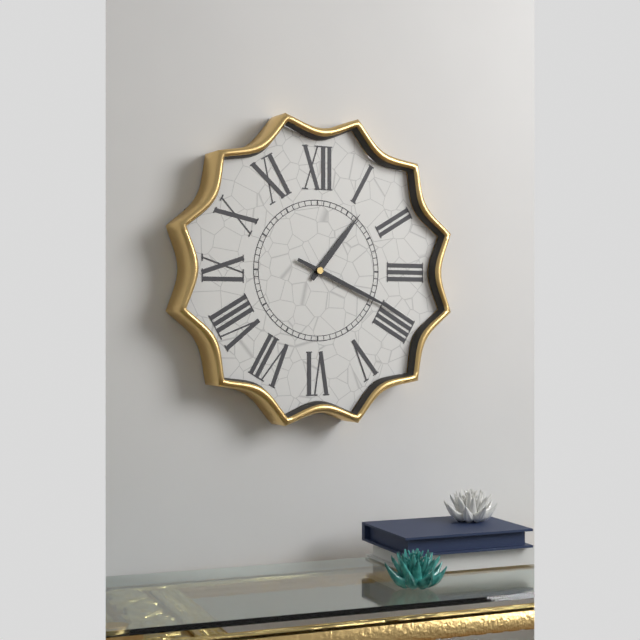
1.19
